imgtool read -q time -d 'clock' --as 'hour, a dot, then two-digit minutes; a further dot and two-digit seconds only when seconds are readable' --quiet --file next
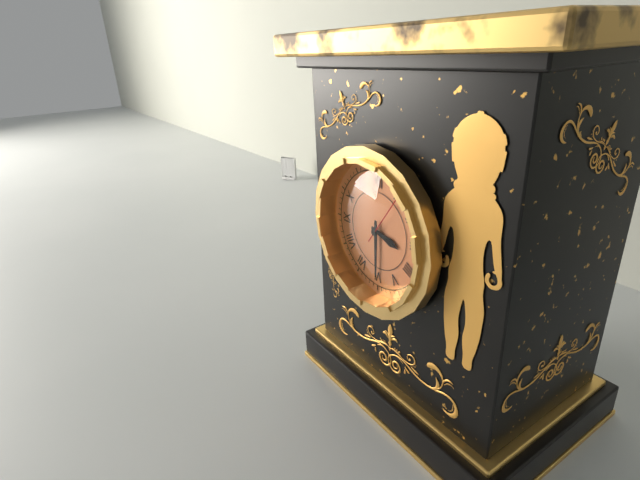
3.30.06
